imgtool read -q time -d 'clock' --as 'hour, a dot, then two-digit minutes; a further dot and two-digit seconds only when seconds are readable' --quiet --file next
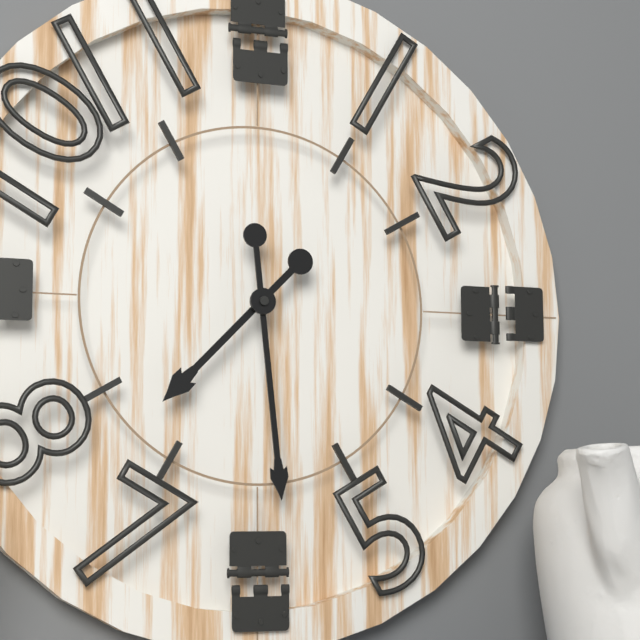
7.29
